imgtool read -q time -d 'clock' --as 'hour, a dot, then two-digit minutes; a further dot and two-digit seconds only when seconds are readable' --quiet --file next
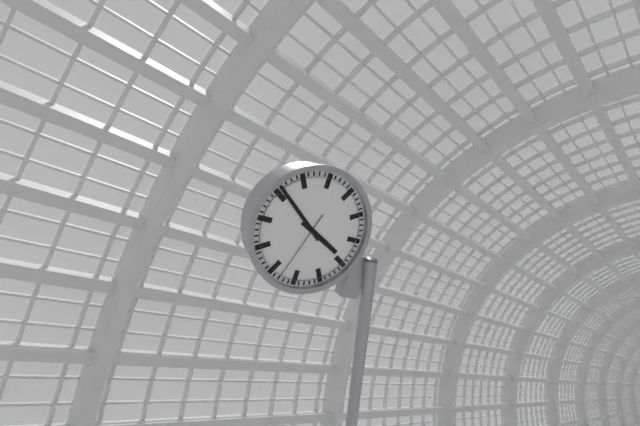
3.51.33
